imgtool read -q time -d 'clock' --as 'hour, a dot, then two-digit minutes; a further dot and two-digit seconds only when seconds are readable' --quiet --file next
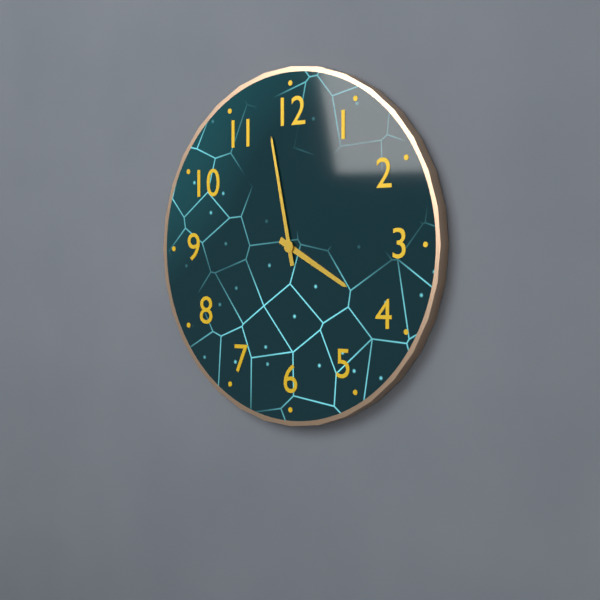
3.58
